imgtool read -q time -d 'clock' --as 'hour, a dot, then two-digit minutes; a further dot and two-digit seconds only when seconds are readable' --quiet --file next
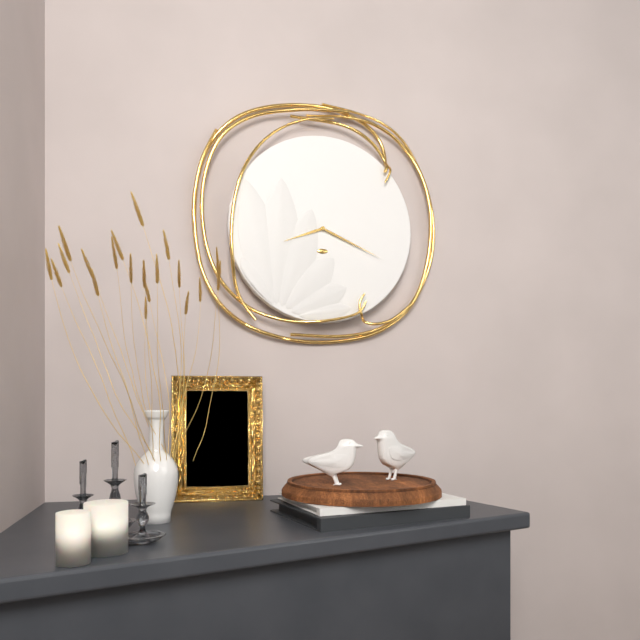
8.19
